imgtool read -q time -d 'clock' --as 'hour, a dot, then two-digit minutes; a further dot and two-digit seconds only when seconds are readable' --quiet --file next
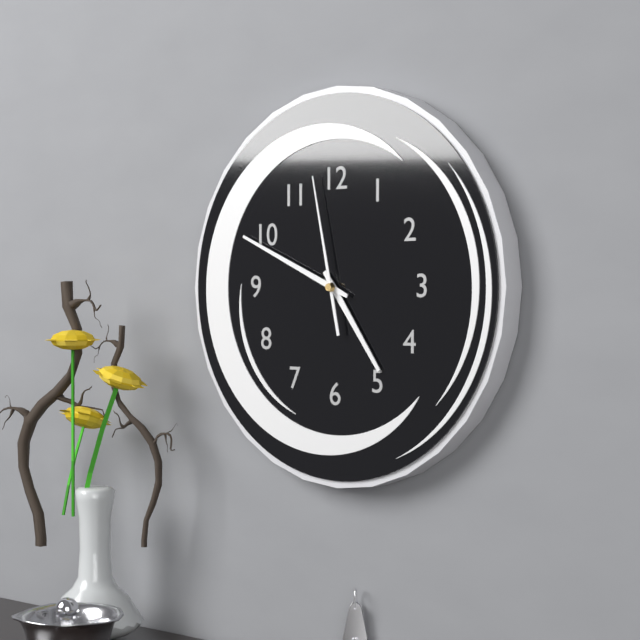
4.49.58
